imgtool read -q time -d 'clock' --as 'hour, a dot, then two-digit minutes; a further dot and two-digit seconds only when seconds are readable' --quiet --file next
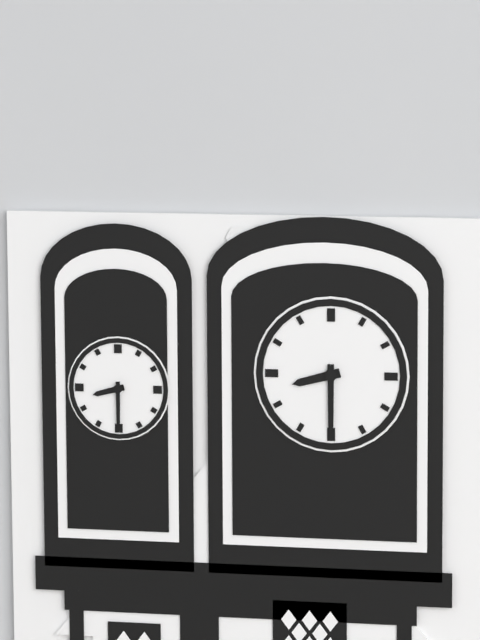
8.30
